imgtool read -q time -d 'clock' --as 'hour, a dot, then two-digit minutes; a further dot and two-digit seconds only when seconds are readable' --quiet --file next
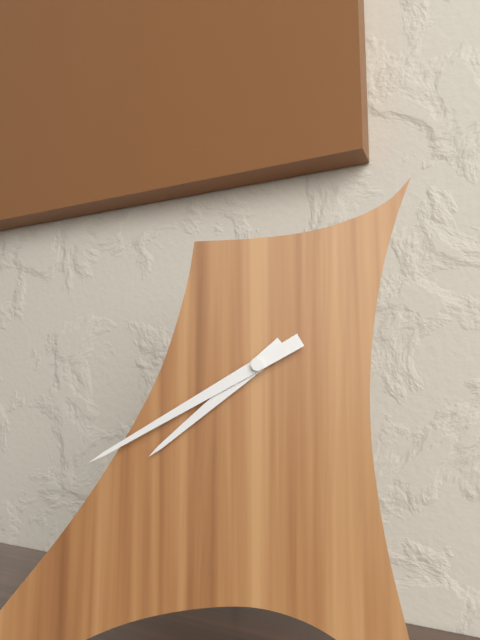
7.40
